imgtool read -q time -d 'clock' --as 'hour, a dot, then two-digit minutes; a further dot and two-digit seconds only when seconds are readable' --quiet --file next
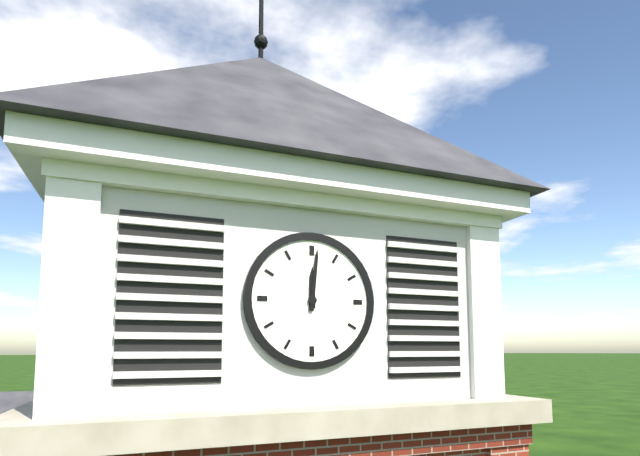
12.01
